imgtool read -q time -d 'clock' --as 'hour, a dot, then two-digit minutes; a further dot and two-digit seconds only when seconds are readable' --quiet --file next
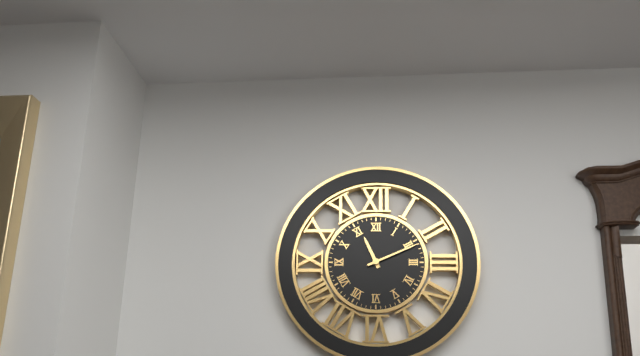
11.11
